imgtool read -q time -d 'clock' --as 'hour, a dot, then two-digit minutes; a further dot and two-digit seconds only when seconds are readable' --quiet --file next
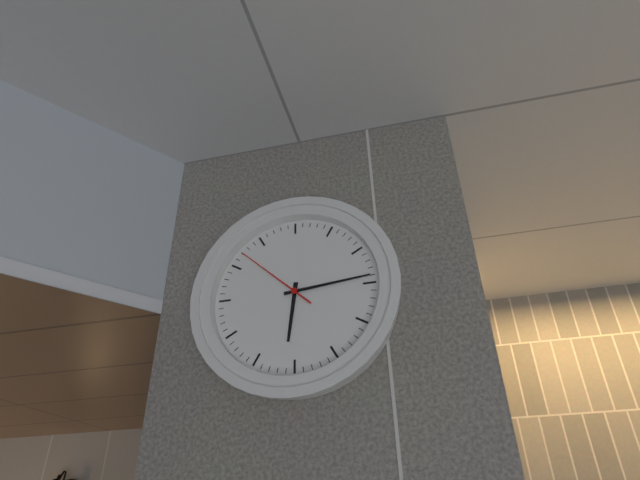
6.14.52
